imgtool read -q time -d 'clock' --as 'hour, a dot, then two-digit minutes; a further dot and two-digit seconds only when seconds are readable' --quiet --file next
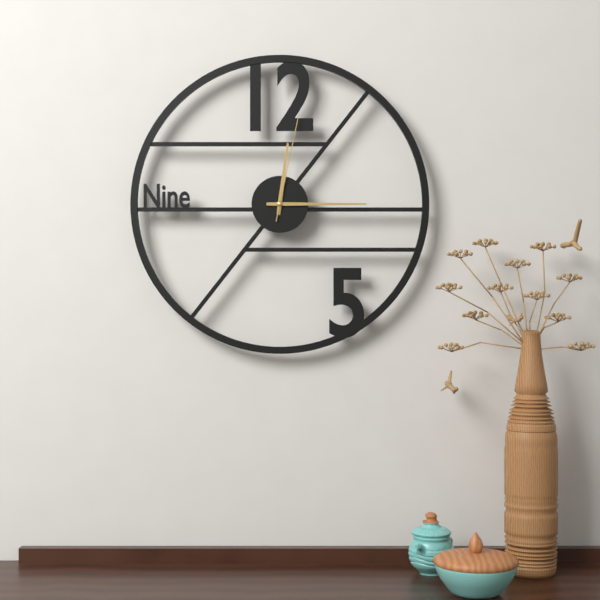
12.15.02
